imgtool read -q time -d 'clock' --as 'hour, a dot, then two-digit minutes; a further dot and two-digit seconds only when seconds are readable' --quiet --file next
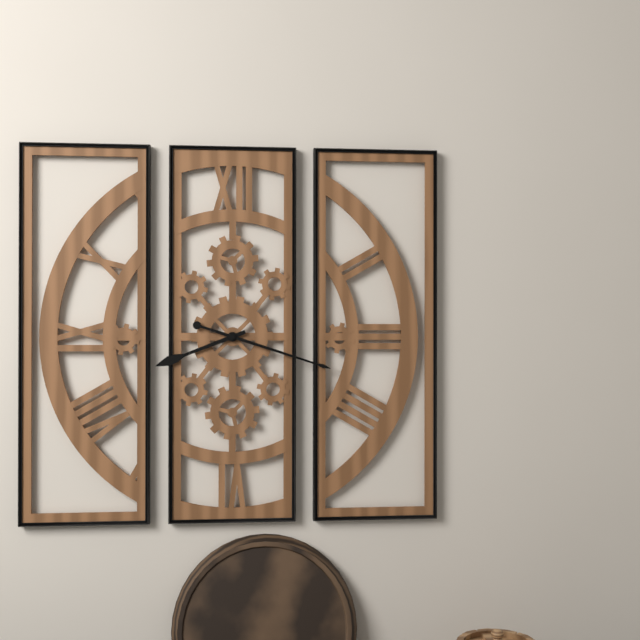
8.18
